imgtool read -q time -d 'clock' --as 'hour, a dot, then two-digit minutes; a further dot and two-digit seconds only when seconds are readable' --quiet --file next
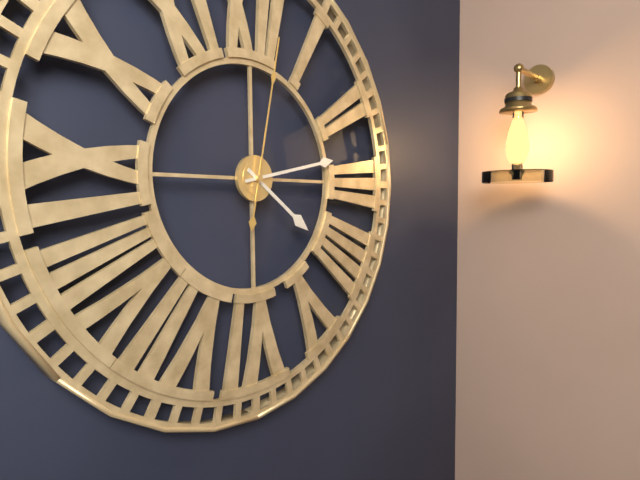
4.13.02
